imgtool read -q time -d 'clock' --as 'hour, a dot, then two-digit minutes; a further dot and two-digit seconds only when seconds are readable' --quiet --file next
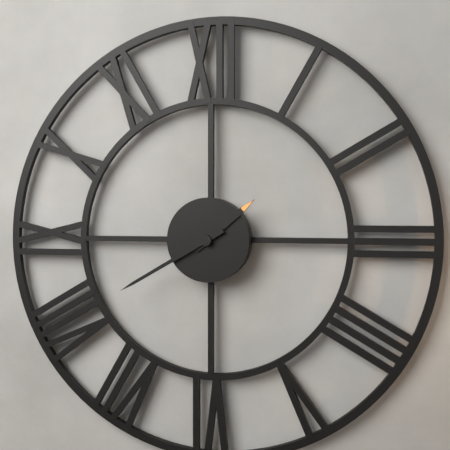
1.40
